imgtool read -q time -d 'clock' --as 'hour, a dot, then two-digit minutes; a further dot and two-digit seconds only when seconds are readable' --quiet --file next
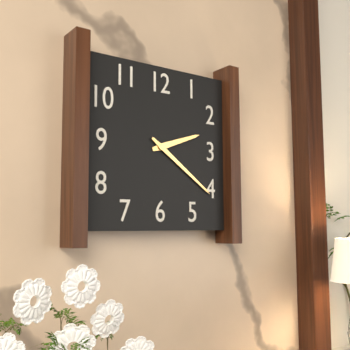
2.21
